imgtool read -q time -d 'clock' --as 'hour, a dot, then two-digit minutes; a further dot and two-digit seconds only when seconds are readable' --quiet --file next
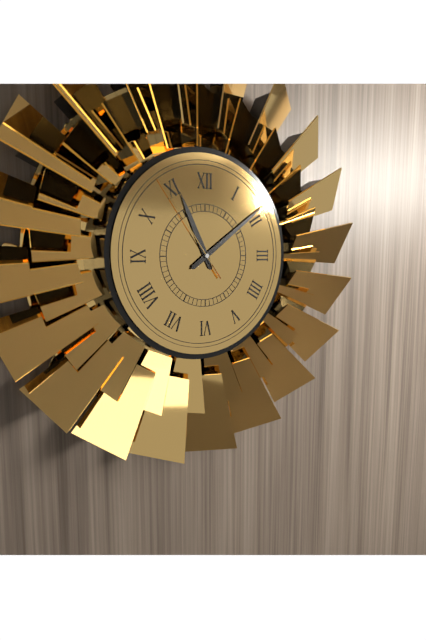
11.09.54
